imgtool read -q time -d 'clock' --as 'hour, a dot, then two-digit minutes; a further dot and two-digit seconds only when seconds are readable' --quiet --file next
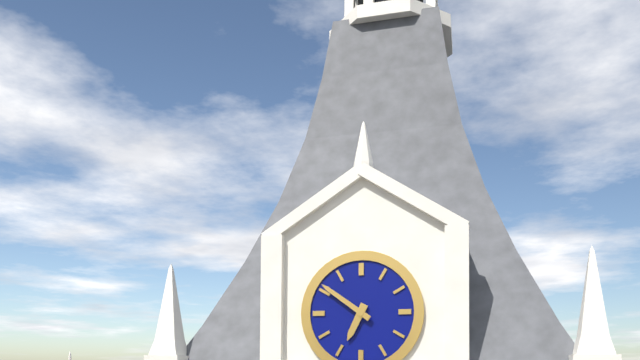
6.51
